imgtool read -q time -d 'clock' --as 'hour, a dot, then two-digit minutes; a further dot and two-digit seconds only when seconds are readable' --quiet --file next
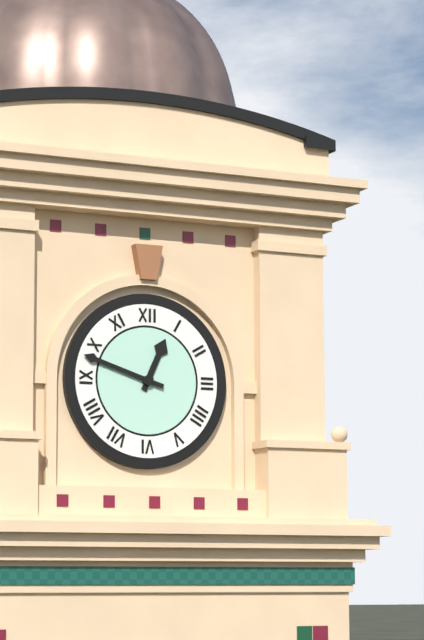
12.48
